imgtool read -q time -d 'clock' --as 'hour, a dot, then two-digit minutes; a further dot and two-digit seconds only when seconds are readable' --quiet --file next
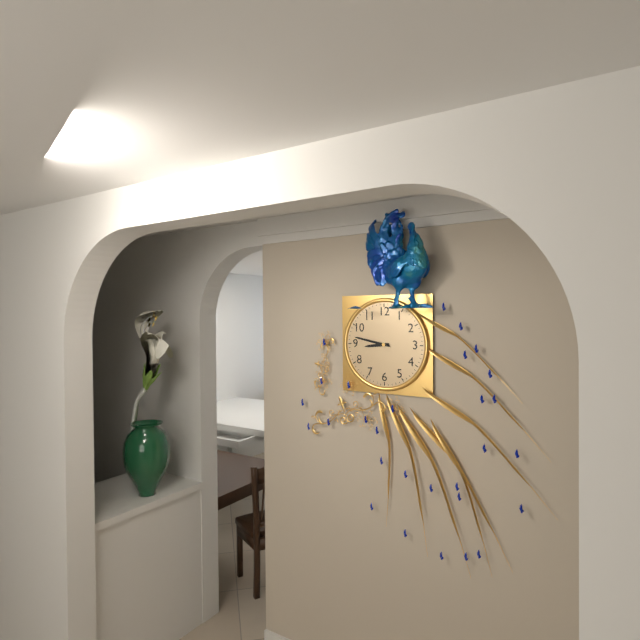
8.47
